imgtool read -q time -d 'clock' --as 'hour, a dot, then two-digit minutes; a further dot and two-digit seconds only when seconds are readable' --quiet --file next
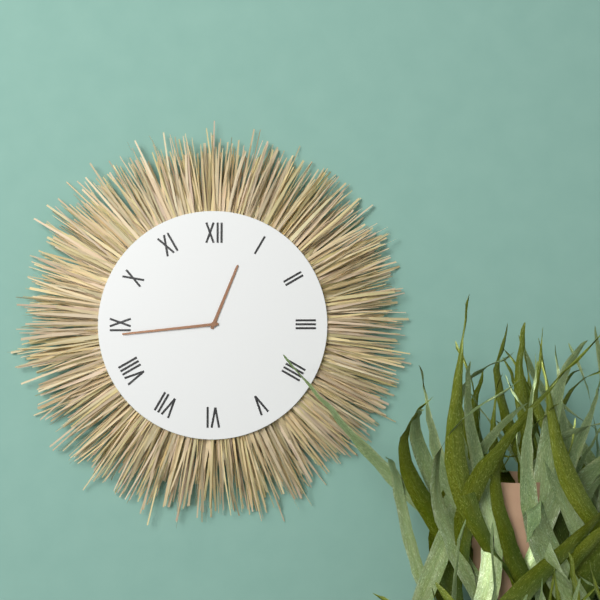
12.44
